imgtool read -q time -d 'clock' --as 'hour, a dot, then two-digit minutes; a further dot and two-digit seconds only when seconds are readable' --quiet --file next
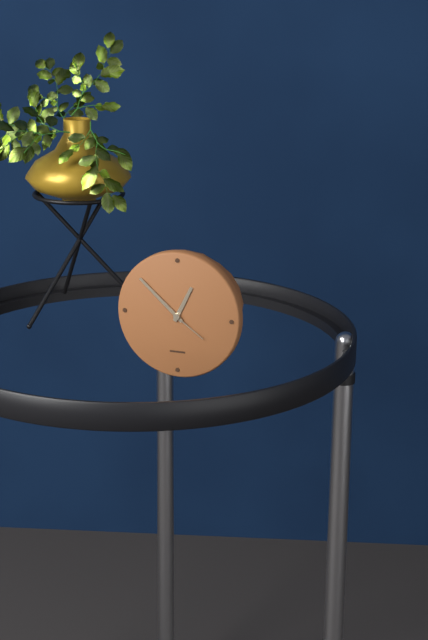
12.52
